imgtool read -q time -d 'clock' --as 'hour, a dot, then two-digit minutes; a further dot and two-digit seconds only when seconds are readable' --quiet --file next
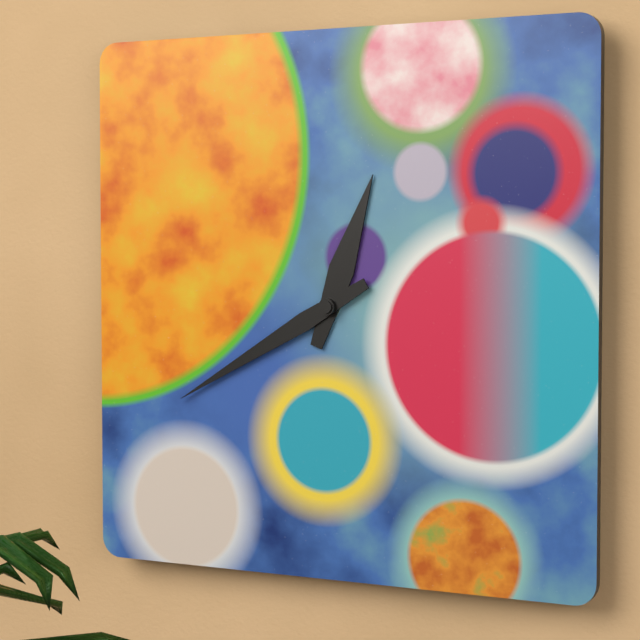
12.40
